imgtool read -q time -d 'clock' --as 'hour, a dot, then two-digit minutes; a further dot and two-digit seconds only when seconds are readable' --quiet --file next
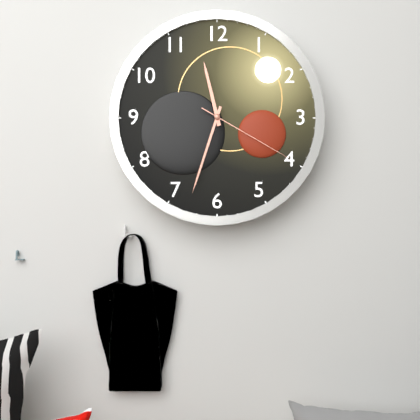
11.33.20
